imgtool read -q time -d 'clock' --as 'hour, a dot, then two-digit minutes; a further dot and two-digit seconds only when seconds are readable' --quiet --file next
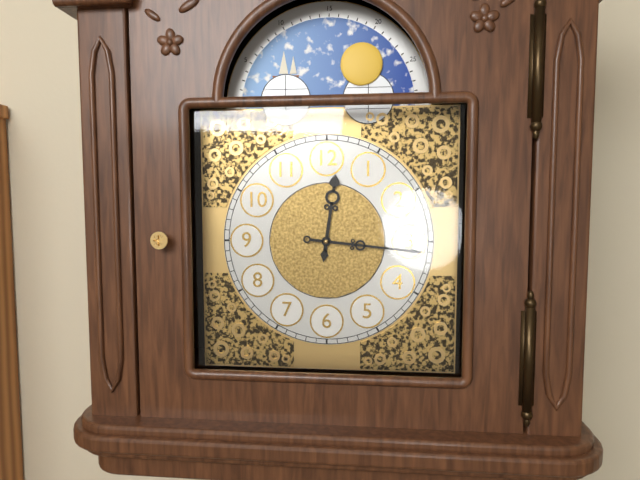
12.16
